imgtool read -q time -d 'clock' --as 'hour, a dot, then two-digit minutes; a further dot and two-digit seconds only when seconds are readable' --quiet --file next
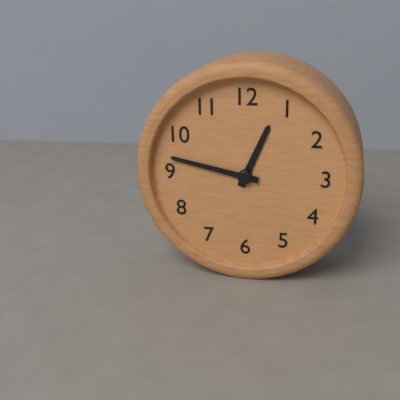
12.47
